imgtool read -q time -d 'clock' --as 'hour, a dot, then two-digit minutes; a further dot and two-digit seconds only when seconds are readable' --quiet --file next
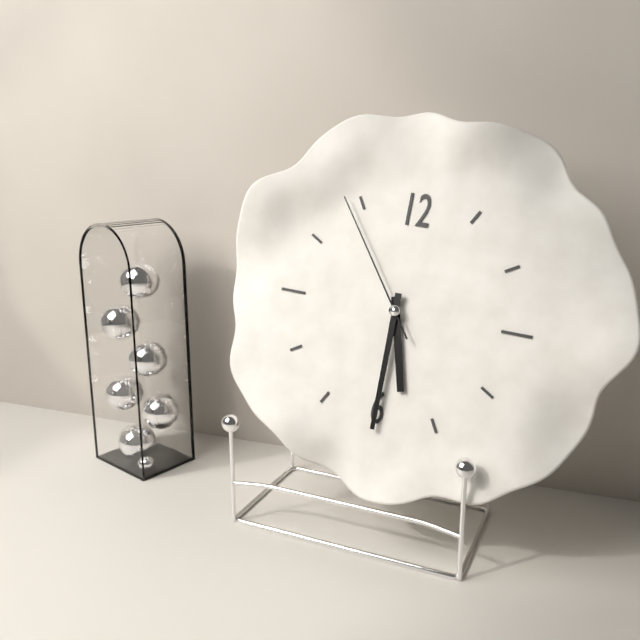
5.30.54
